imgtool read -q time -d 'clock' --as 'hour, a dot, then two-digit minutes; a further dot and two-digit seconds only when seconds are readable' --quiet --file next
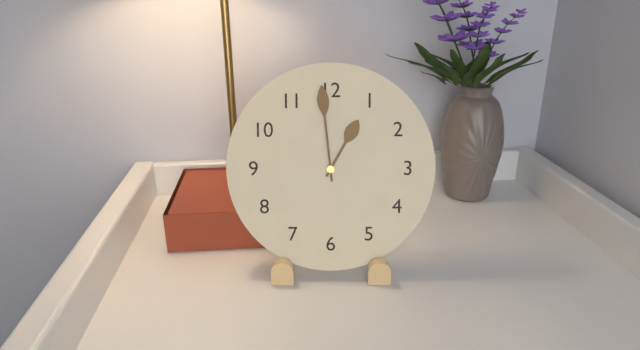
12.59
